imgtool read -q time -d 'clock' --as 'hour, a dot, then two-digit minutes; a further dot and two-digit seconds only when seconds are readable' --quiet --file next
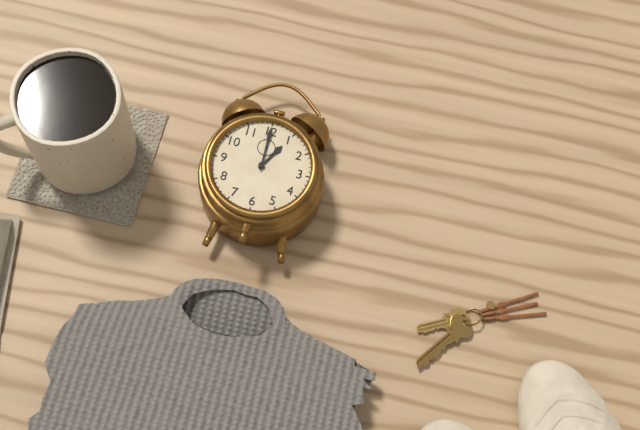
1.00
